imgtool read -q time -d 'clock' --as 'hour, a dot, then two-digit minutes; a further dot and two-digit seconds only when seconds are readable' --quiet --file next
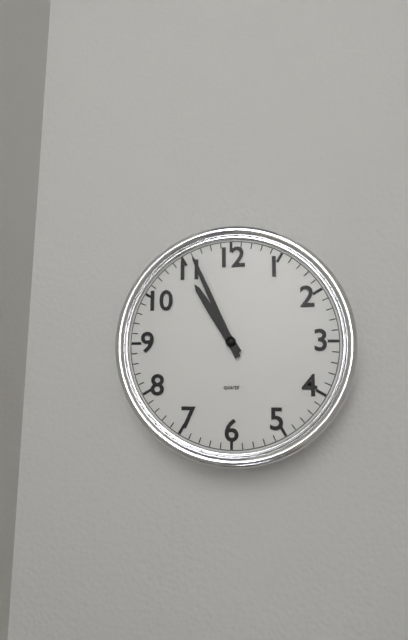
10.56
